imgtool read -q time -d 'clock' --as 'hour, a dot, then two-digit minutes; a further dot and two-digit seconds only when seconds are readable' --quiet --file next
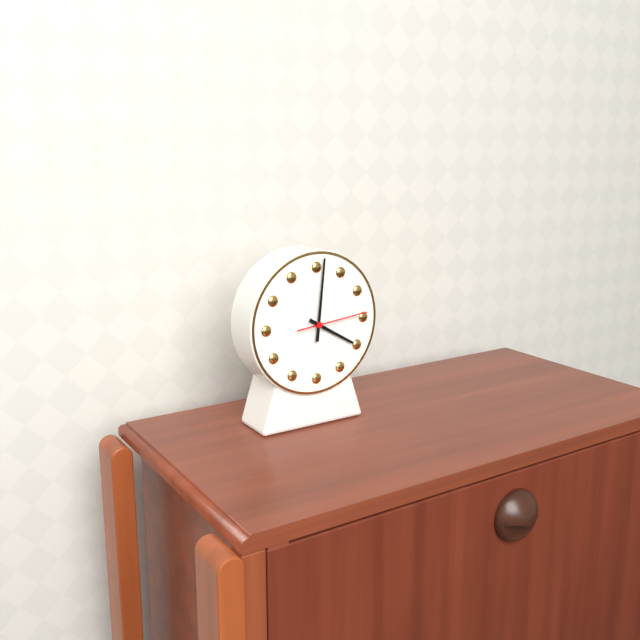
4.01.14
